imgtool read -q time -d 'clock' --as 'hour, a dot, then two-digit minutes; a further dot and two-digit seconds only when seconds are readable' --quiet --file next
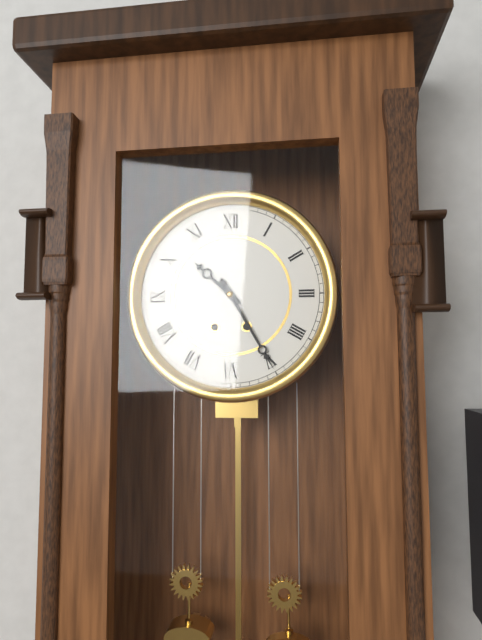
10.25
